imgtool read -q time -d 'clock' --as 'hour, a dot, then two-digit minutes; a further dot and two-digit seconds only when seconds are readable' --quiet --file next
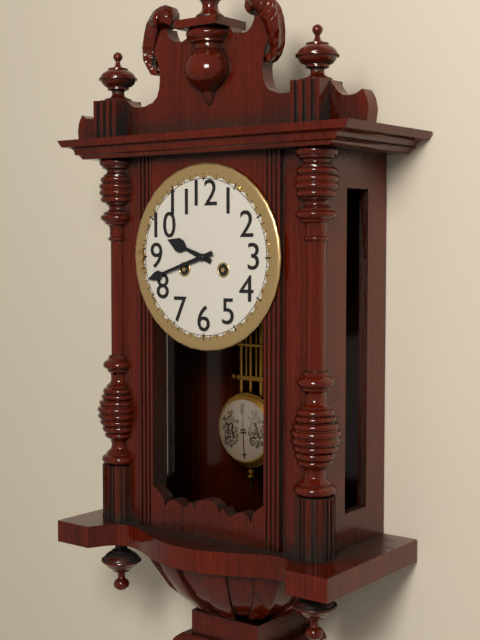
9.42
